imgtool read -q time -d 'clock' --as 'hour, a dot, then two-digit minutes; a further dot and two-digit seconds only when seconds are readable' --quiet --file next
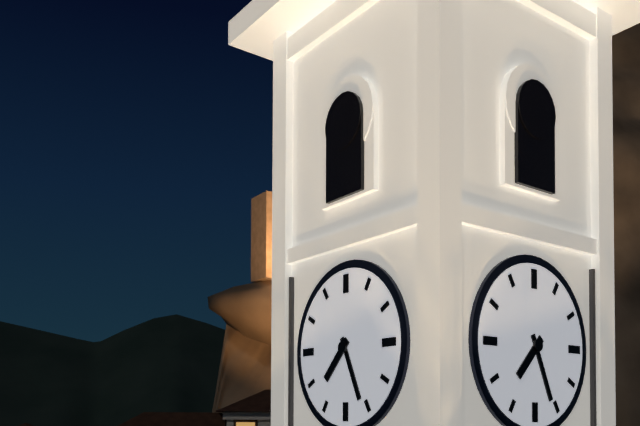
7.26
